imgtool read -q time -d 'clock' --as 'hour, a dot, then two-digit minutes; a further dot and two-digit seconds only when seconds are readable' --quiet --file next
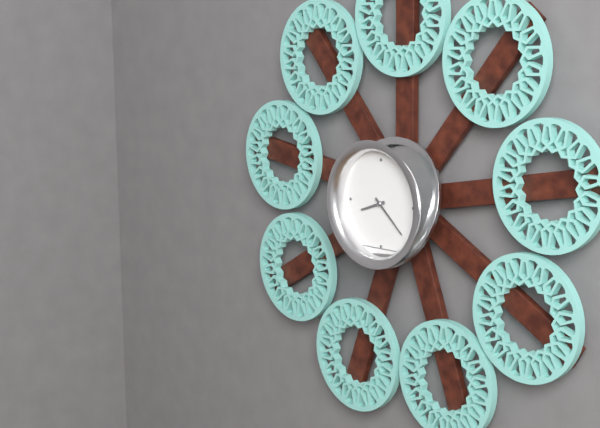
8.22
